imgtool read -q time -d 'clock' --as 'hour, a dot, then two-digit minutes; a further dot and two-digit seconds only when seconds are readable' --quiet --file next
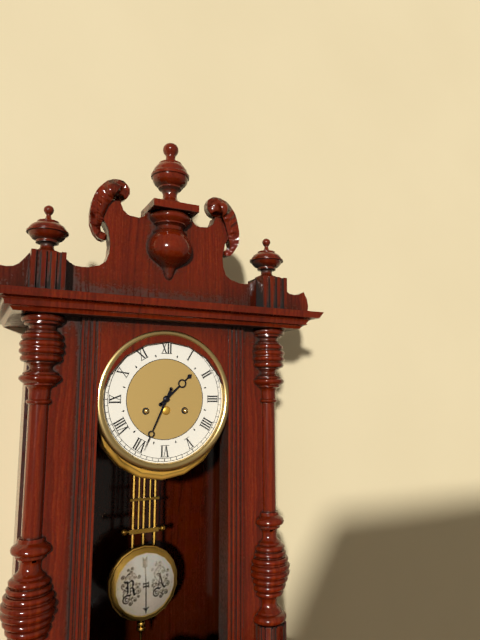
1.34
